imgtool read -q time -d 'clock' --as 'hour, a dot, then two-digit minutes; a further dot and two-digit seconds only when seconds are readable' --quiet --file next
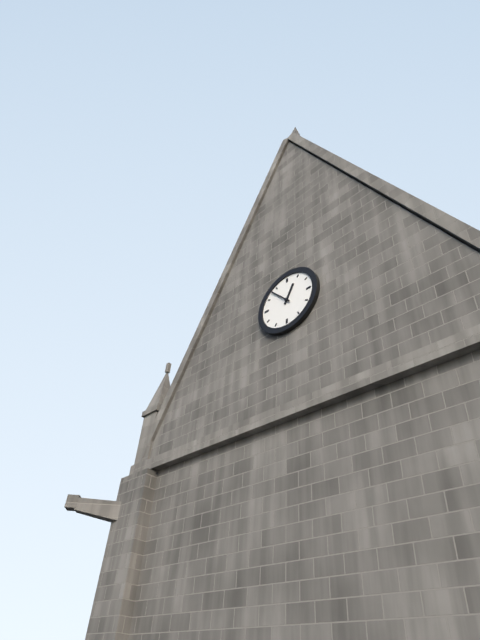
12.53
